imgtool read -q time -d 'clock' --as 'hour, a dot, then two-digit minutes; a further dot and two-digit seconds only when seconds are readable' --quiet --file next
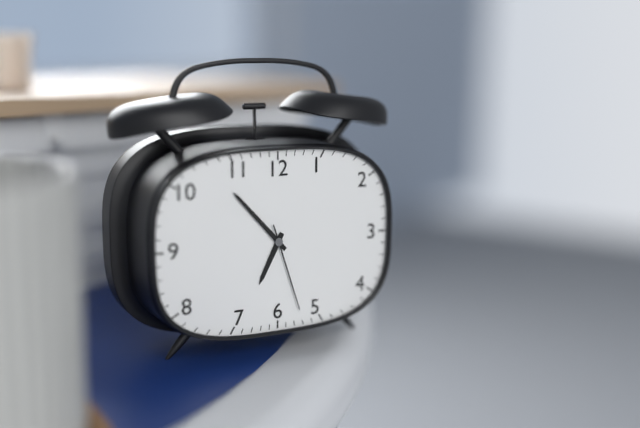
6.53.27
